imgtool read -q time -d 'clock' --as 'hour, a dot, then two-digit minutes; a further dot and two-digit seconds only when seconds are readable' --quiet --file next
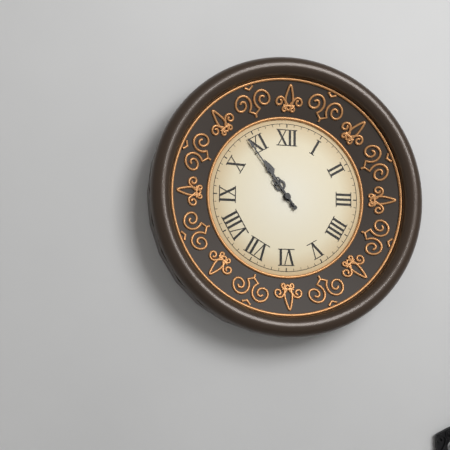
10.54
